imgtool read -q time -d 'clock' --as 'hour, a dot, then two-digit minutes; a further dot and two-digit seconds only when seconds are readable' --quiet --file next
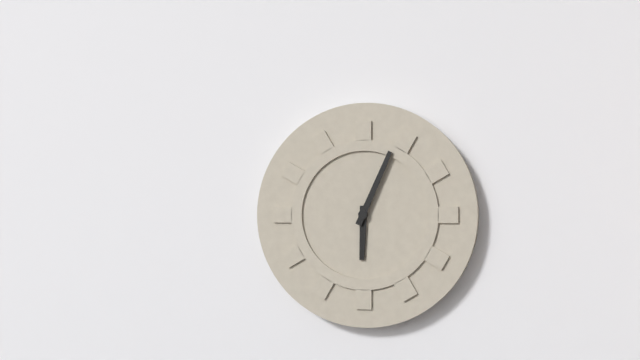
6.04
